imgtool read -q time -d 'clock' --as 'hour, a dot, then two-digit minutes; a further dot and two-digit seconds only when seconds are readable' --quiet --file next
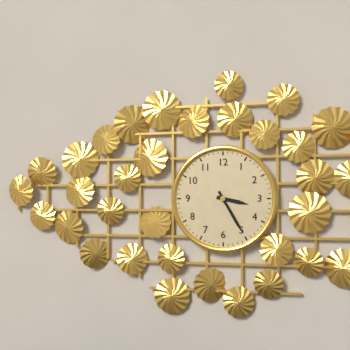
3.25
